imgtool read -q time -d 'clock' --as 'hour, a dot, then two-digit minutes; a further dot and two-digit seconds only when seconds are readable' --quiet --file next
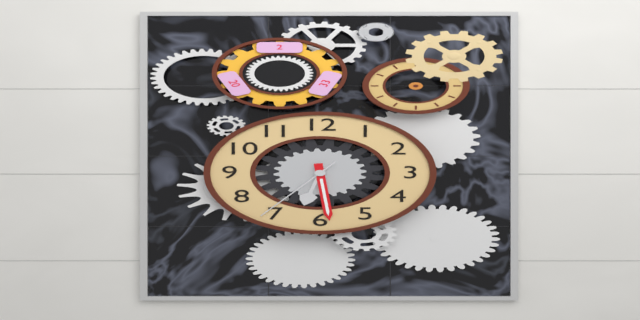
6.29.36
